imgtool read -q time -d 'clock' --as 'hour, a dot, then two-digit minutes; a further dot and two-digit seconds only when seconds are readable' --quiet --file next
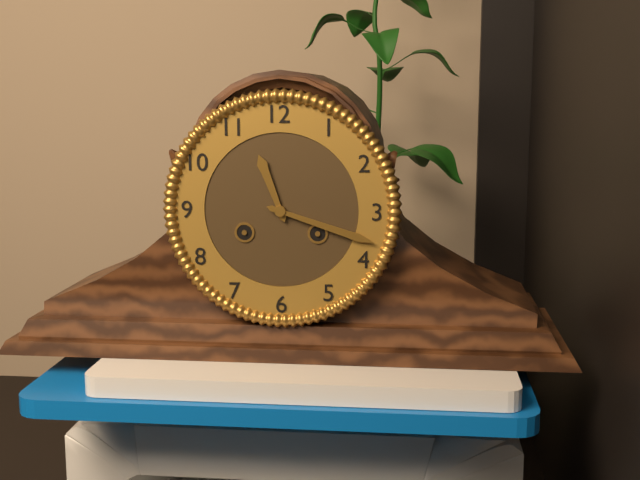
11.18
